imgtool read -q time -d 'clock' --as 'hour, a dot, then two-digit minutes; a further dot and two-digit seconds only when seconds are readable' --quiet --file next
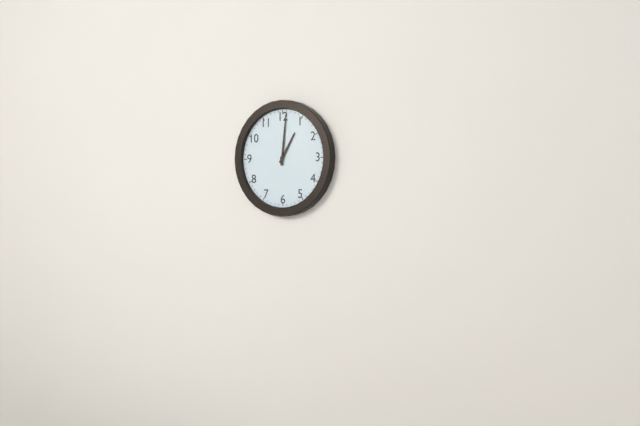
1.01
